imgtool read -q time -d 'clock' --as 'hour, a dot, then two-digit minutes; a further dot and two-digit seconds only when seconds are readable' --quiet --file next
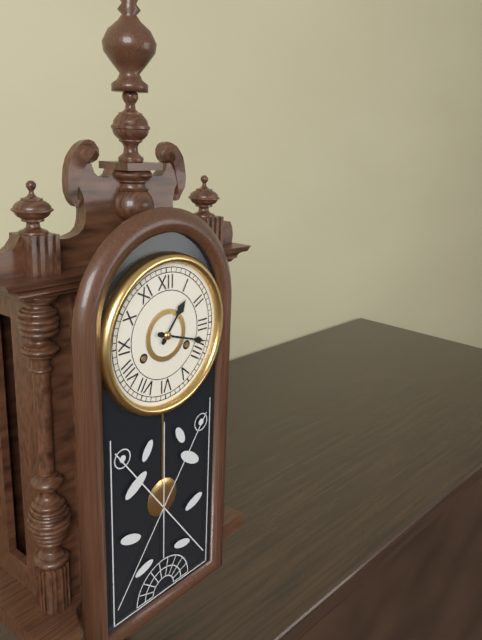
1.18
